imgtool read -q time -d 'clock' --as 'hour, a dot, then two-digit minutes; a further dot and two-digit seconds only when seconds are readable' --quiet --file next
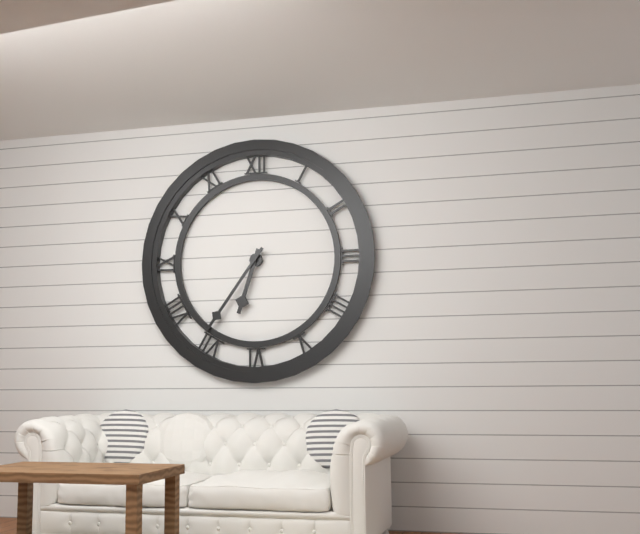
6.36
